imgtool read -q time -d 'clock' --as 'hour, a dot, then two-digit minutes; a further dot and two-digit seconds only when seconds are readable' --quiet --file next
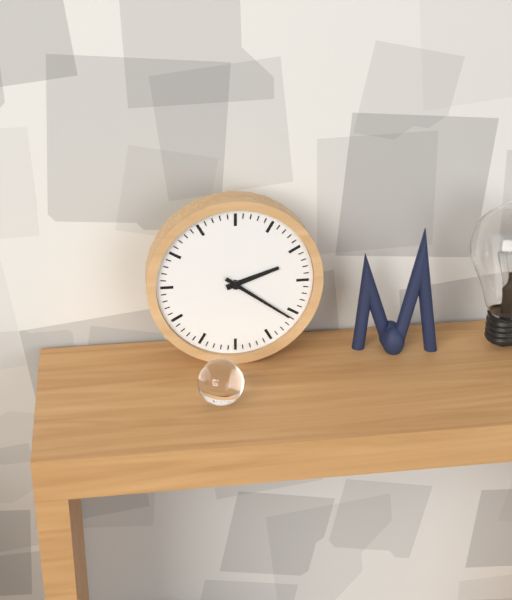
2.21
